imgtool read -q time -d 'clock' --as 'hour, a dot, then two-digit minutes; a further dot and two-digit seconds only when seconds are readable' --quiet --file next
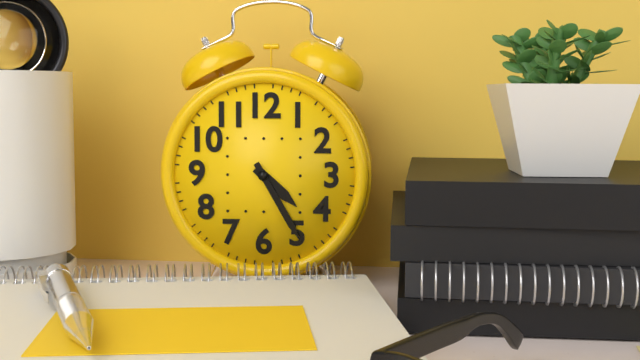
4.25
